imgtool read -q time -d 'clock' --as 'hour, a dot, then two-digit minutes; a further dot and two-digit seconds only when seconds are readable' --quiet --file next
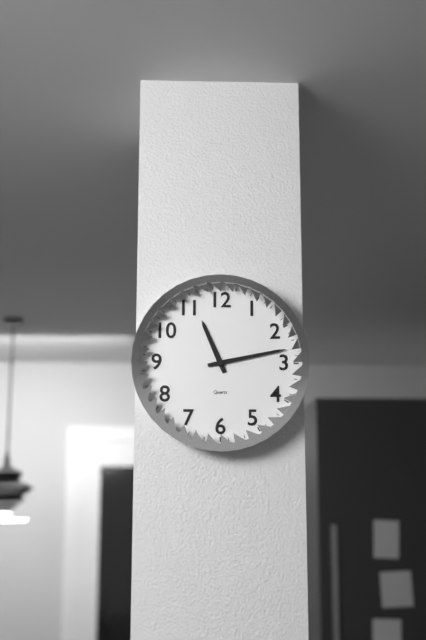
11.13
